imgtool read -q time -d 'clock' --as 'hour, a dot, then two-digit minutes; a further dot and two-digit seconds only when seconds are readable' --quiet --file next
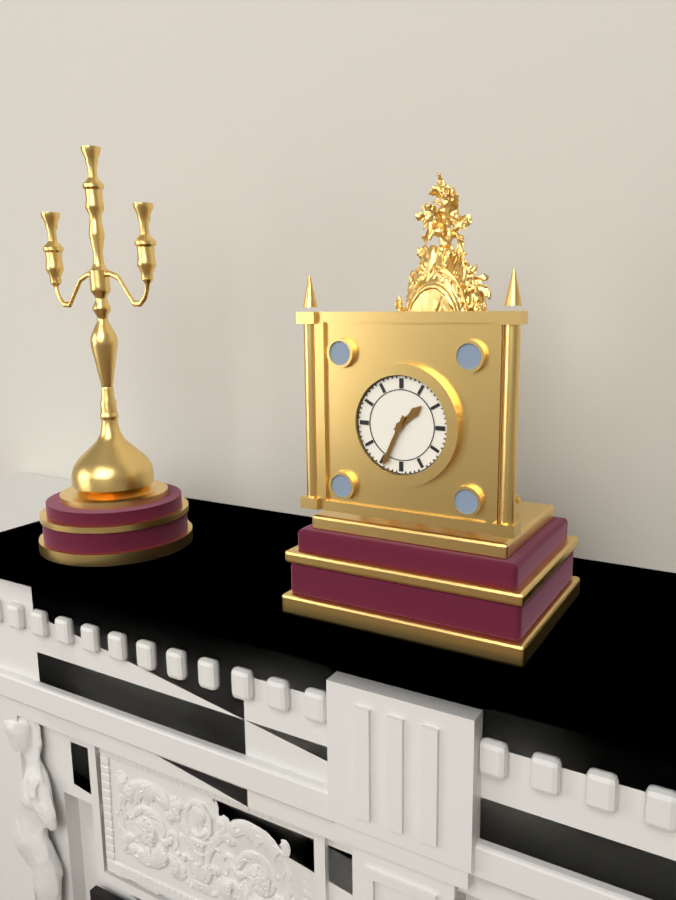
1.34
